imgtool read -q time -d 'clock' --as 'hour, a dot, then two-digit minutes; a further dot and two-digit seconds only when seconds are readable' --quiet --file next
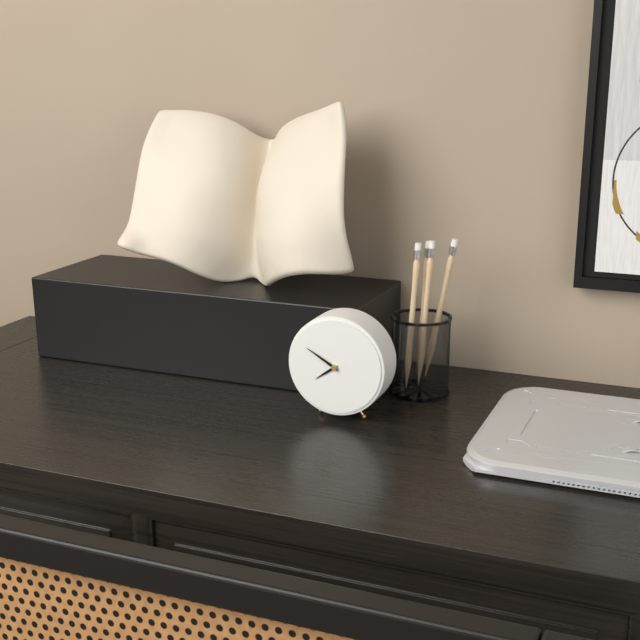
7.50
